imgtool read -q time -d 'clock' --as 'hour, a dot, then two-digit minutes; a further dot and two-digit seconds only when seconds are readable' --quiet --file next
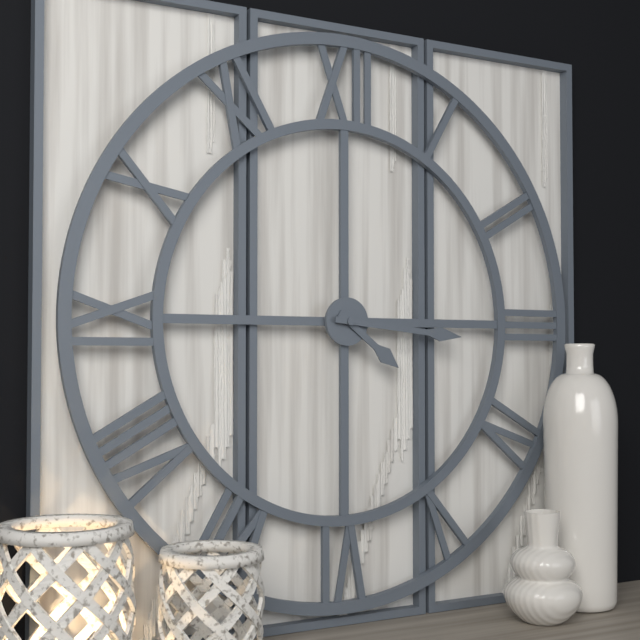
4.16
